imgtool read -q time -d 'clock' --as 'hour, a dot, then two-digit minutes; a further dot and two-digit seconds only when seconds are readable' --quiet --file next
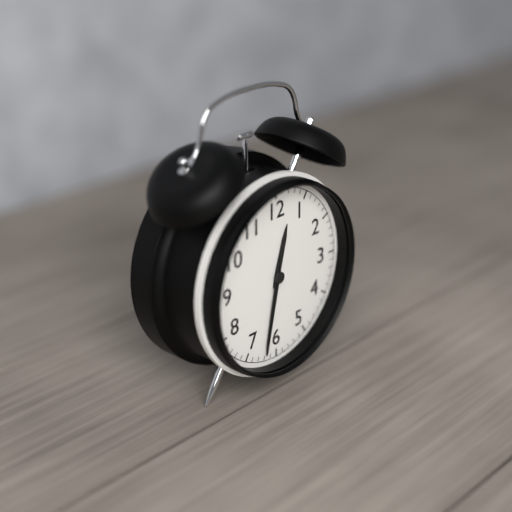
12.32.32
